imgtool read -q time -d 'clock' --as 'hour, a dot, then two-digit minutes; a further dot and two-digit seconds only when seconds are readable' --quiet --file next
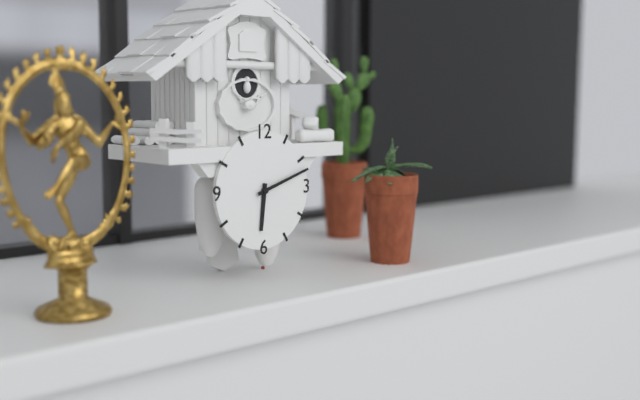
6.12
